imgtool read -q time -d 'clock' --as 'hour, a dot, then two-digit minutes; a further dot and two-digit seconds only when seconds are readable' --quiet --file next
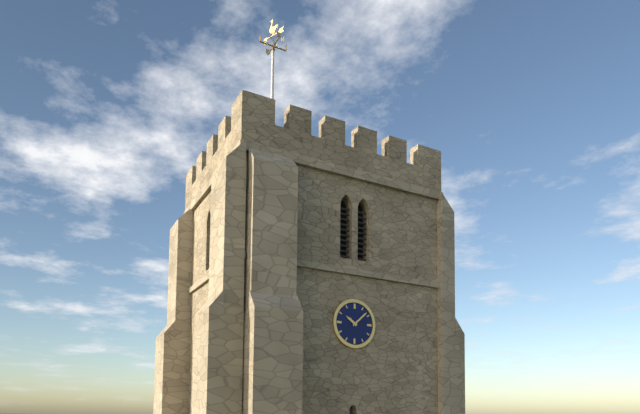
10.08
